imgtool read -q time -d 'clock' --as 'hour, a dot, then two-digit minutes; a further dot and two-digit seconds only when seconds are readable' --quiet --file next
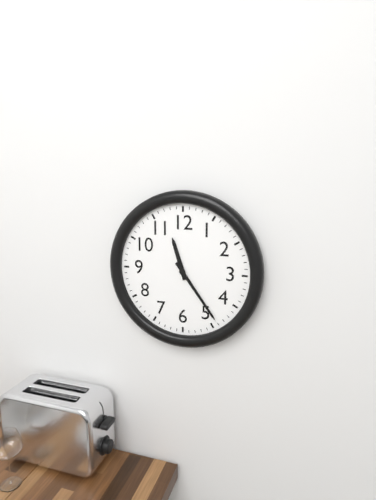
11.24
